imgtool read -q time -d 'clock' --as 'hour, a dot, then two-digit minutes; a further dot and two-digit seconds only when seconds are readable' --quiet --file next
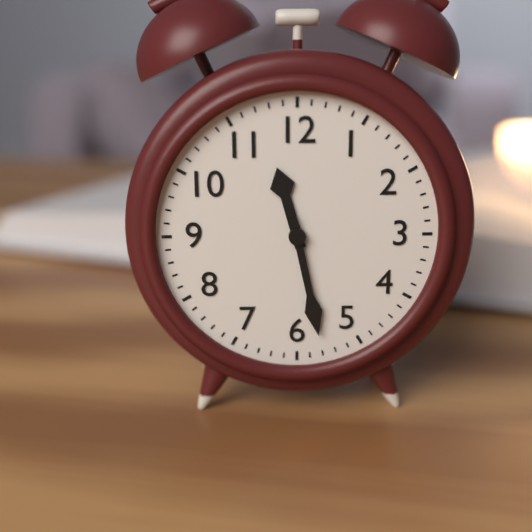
11.28
